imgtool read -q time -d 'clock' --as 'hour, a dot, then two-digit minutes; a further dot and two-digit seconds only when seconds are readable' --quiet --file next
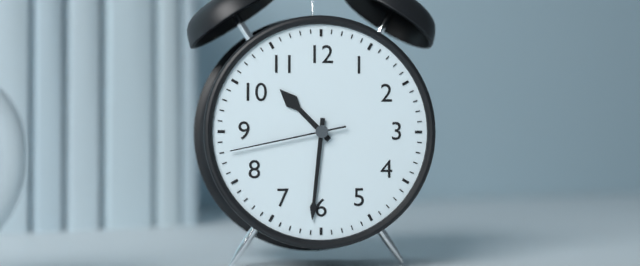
10.31.43
